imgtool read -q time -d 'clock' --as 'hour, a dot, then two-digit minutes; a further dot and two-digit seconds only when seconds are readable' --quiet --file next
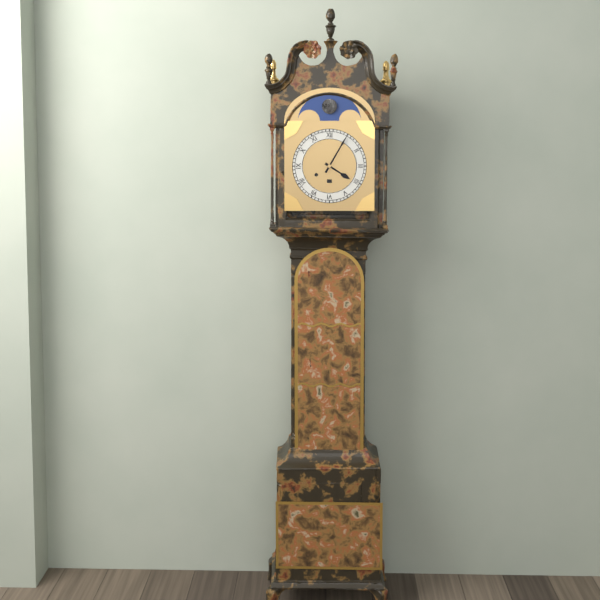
4.05
